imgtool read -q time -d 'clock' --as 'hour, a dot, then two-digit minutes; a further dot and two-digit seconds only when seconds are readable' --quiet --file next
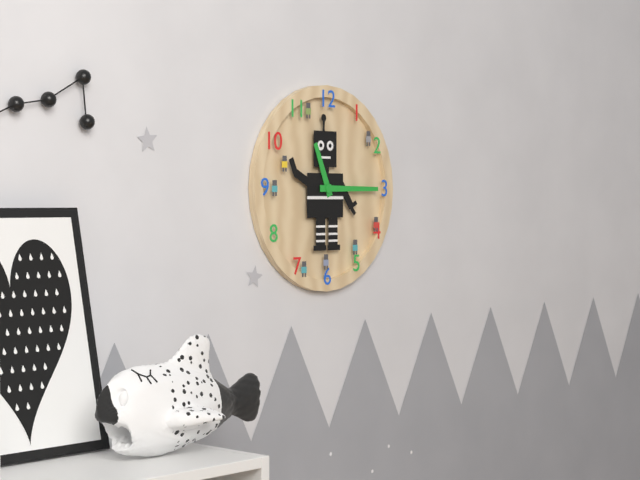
11.15
